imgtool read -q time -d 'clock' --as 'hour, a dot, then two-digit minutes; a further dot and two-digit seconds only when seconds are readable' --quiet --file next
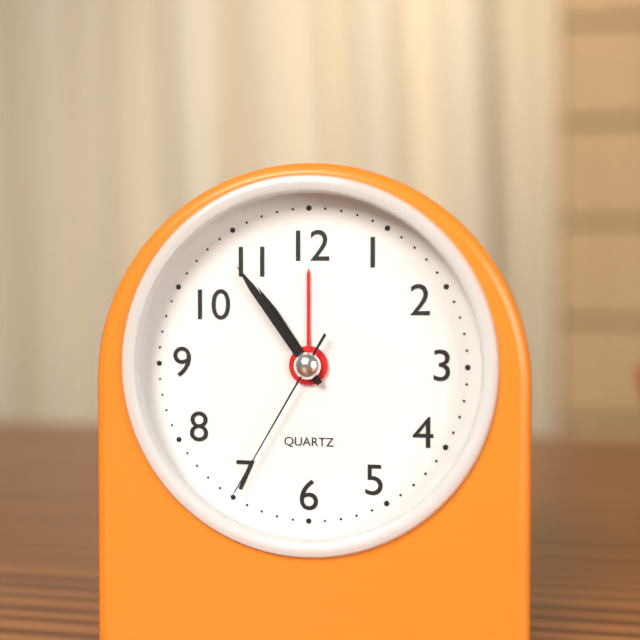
10.54.35
